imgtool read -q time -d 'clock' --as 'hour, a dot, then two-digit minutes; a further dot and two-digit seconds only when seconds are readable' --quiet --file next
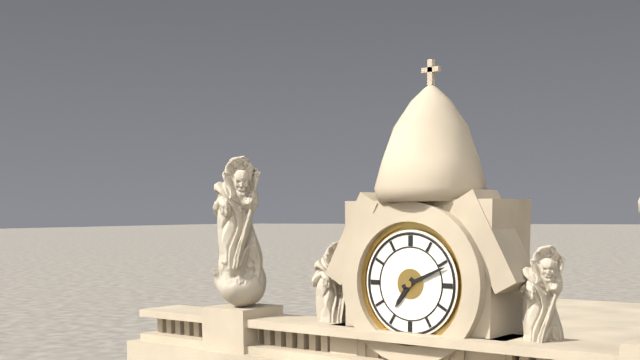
7.11
